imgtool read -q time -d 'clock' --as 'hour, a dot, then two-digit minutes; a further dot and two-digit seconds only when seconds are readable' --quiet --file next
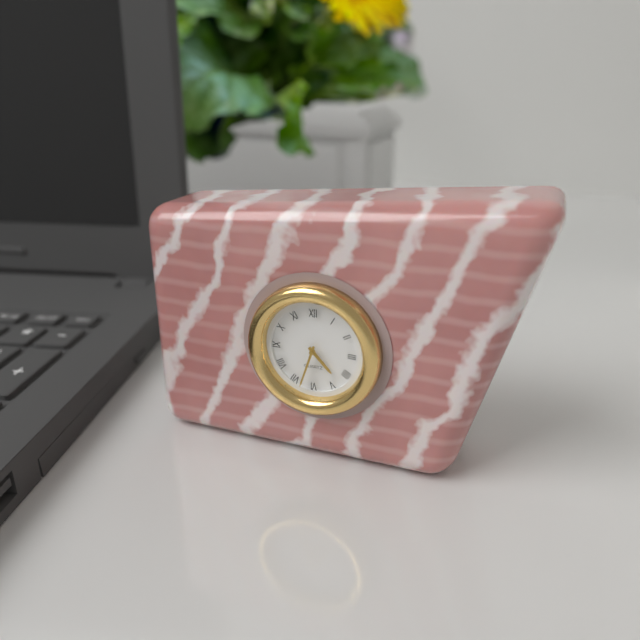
4.33
